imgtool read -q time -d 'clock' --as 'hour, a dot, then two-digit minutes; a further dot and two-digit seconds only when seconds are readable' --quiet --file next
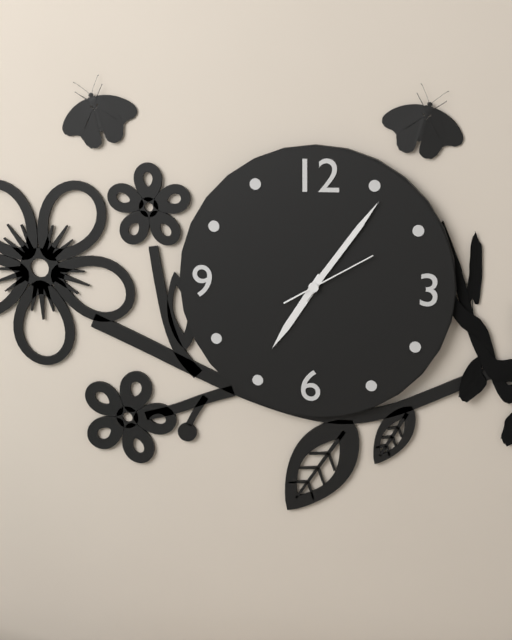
7.06.10
